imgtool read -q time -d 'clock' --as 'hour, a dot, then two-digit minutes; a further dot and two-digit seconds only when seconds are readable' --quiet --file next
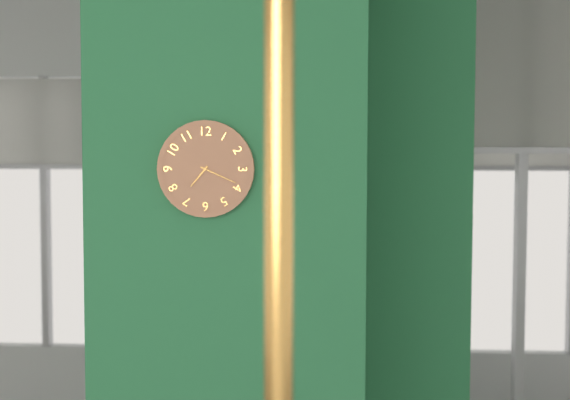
7.19
